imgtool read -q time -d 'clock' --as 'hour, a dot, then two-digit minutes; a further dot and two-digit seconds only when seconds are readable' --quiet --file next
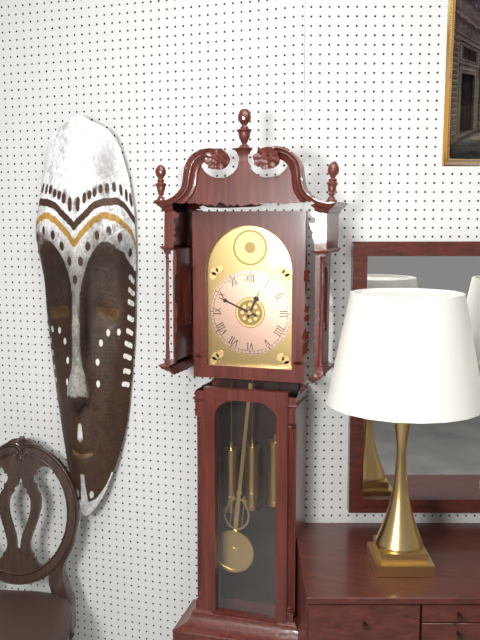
12.49
